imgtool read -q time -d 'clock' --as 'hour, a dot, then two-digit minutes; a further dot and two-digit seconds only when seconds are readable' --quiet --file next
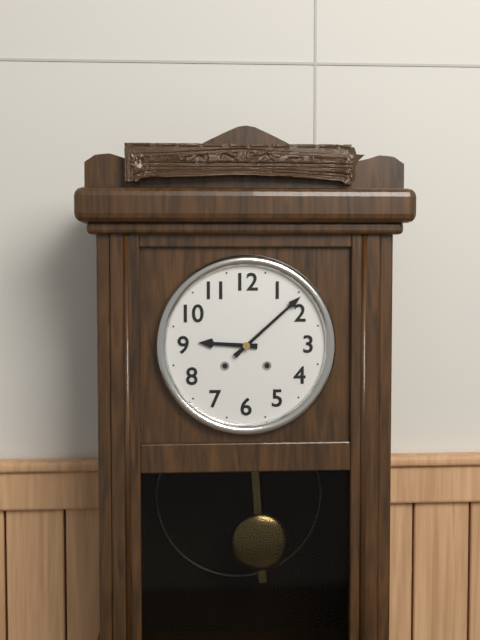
9.08
